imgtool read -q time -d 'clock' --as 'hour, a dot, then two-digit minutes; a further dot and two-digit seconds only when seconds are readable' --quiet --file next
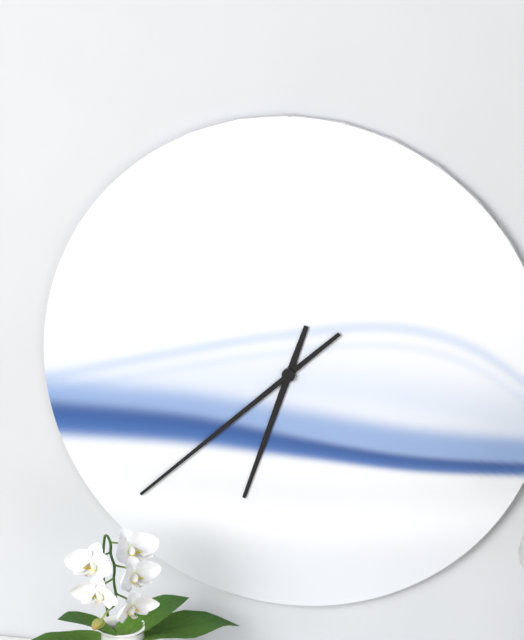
6.38
